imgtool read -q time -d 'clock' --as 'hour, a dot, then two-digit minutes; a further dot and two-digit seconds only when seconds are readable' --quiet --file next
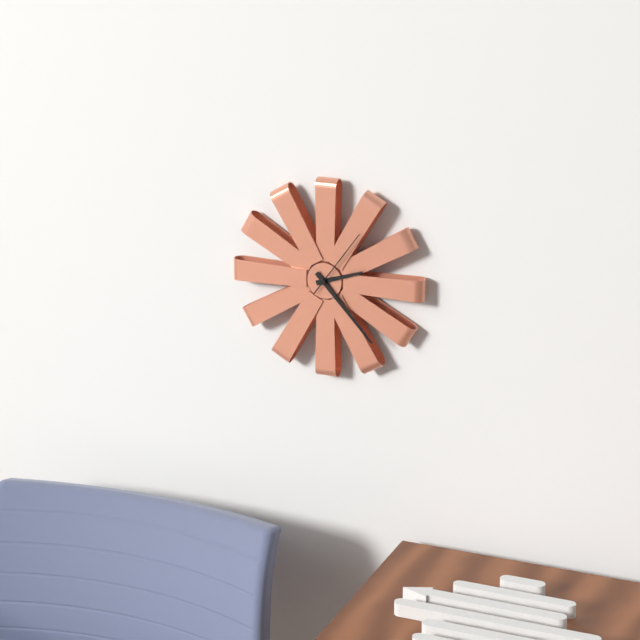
2.23.06
